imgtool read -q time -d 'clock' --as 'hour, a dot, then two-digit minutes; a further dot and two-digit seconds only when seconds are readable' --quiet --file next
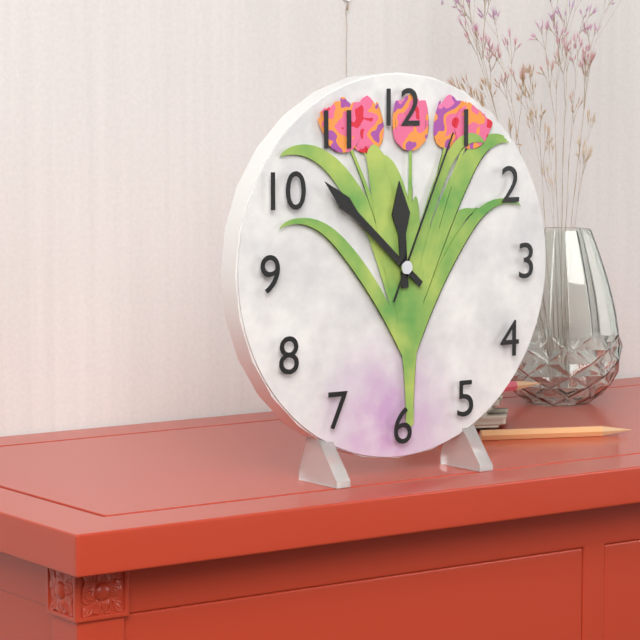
11.52.04
